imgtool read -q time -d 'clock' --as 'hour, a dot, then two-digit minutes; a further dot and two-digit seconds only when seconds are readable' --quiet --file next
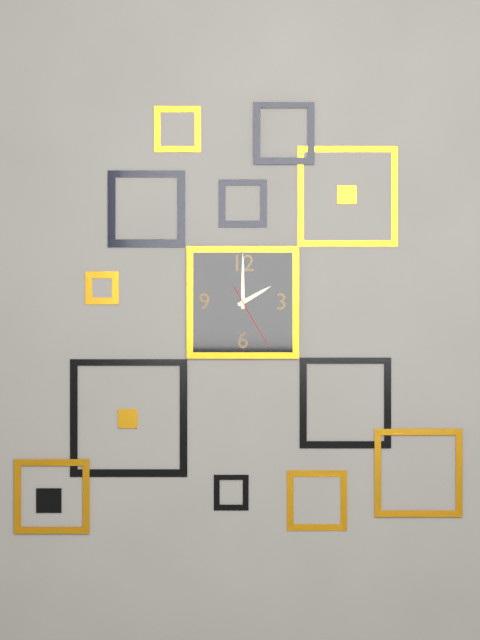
2.00.25
